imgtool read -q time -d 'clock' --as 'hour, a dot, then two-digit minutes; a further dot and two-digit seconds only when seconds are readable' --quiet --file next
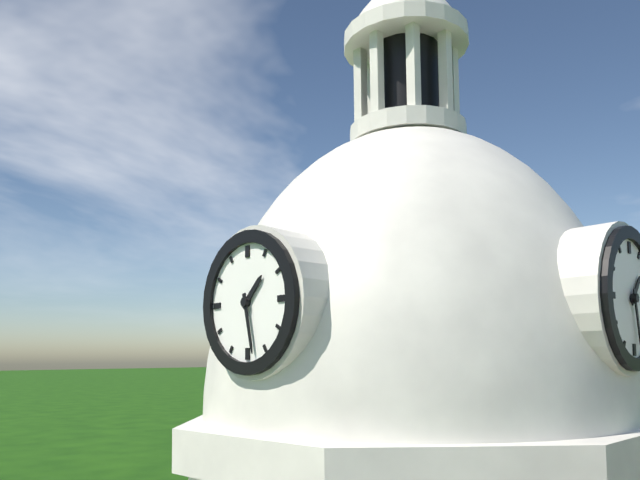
1.28
